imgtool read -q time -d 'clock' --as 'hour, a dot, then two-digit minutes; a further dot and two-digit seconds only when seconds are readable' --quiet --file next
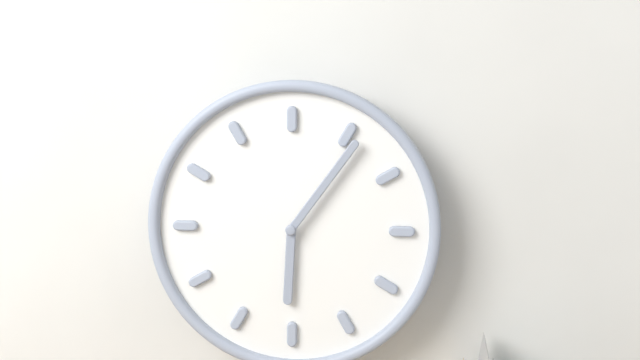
6.06
